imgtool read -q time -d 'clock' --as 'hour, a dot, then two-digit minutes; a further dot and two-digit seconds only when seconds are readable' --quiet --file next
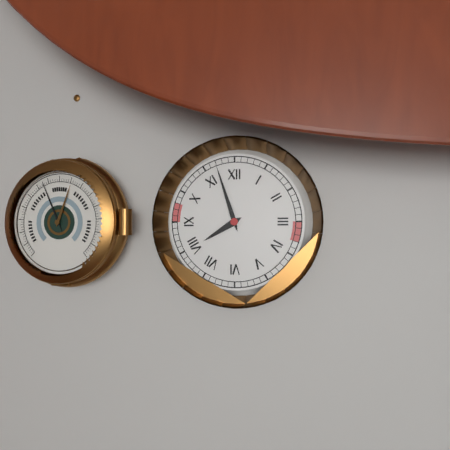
7.57
